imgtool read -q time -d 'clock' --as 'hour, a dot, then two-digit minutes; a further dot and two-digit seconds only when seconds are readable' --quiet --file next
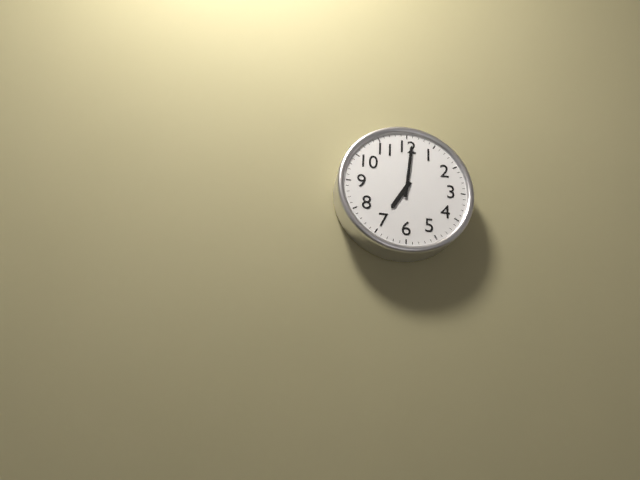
7.01
